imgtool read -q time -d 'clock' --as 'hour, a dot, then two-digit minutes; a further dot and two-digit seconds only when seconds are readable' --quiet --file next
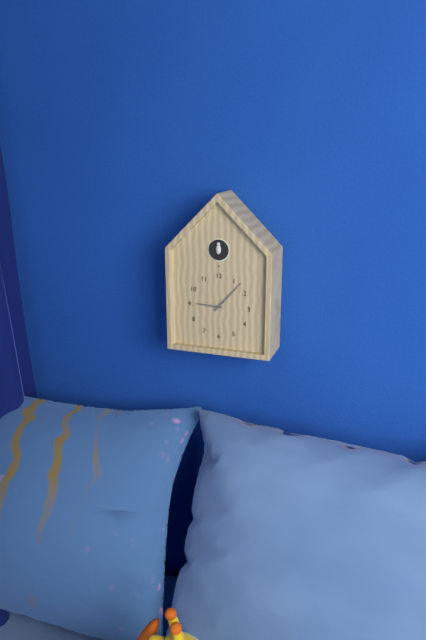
9.07
